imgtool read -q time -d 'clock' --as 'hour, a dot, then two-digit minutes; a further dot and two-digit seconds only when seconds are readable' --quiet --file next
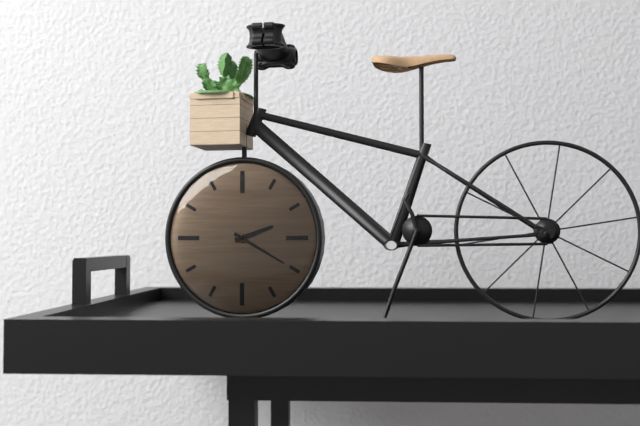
2.20
